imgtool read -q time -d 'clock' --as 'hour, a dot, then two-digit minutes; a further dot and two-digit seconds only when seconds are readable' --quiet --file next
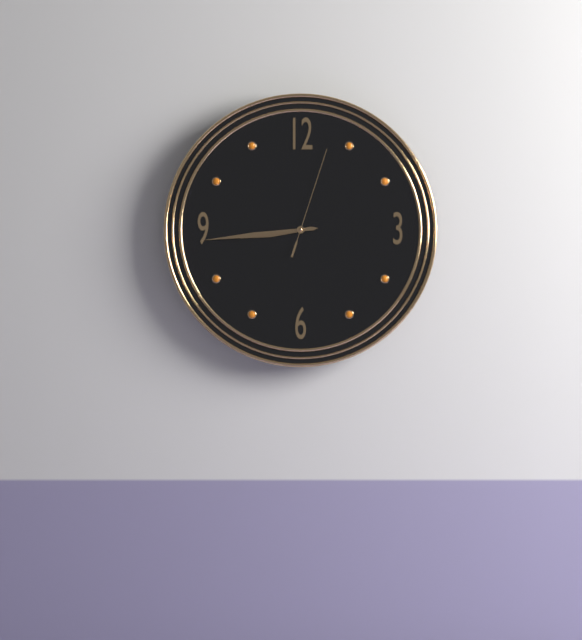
8.44.03
